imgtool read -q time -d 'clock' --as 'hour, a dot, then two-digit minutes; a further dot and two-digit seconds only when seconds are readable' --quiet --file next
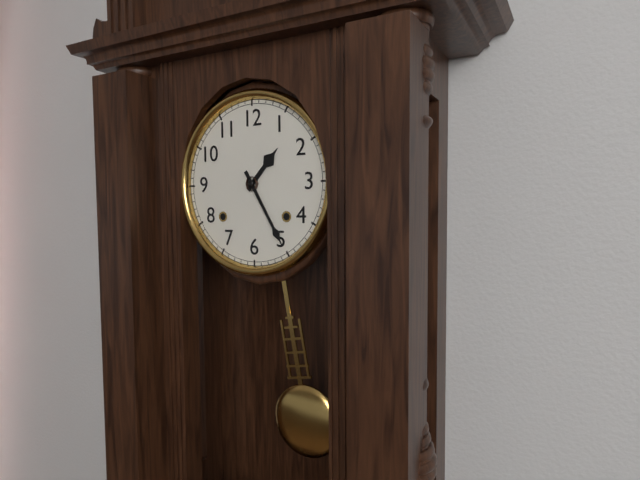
1.25
